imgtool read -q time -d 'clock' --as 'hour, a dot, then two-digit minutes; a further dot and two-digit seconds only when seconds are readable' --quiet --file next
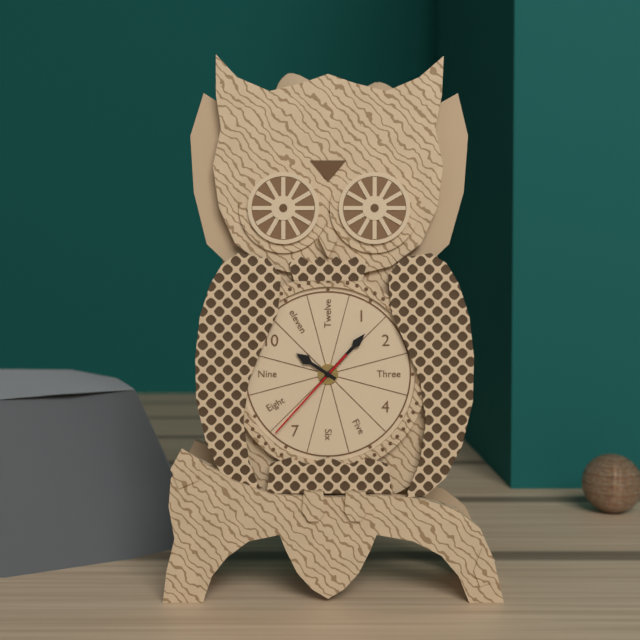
10.07.37
